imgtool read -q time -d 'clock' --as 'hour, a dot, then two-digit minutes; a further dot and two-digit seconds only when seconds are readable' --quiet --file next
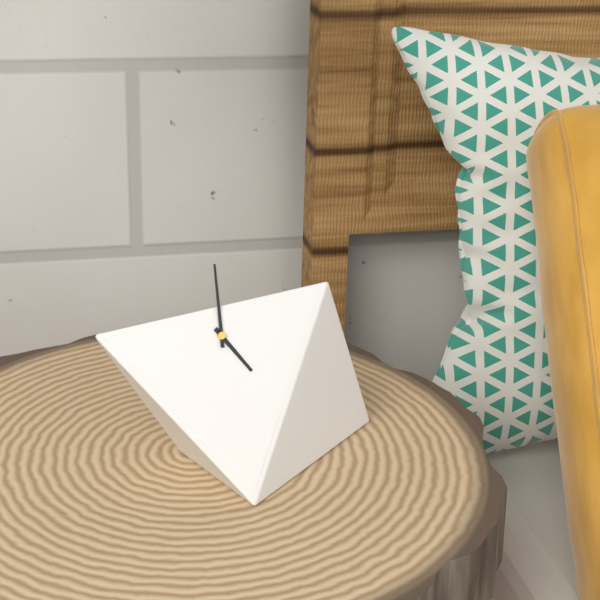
5.01
